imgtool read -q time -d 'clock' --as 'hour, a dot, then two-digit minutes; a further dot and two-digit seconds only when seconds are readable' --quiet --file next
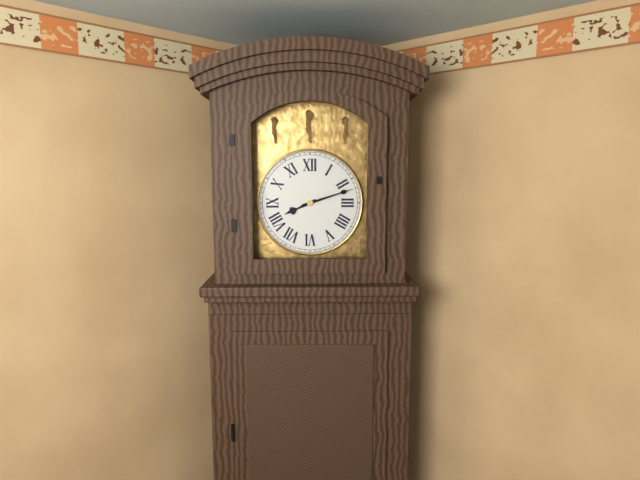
8.12
